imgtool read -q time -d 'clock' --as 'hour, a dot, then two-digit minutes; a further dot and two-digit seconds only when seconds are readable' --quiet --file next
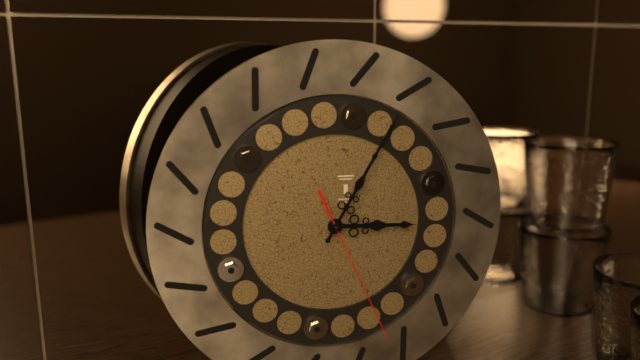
3.05.26
